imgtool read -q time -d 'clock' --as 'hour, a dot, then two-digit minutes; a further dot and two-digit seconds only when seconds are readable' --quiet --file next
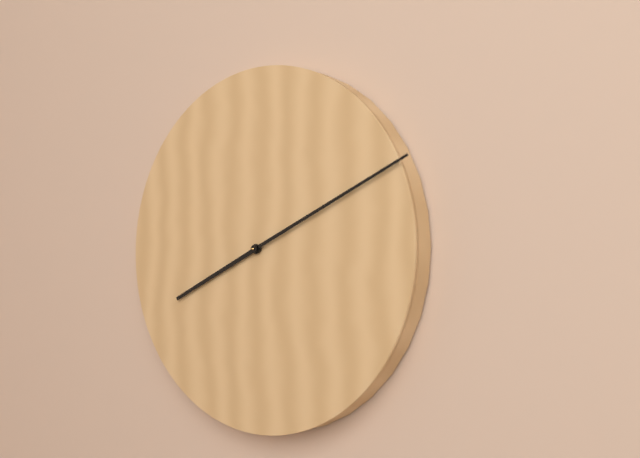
8.11
